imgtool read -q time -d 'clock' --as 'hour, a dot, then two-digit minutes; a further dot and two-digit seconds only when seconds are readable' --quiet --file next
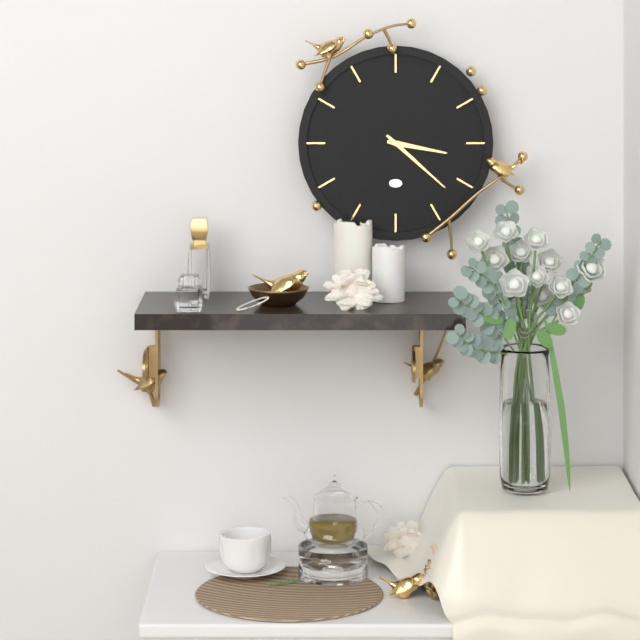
3.22
